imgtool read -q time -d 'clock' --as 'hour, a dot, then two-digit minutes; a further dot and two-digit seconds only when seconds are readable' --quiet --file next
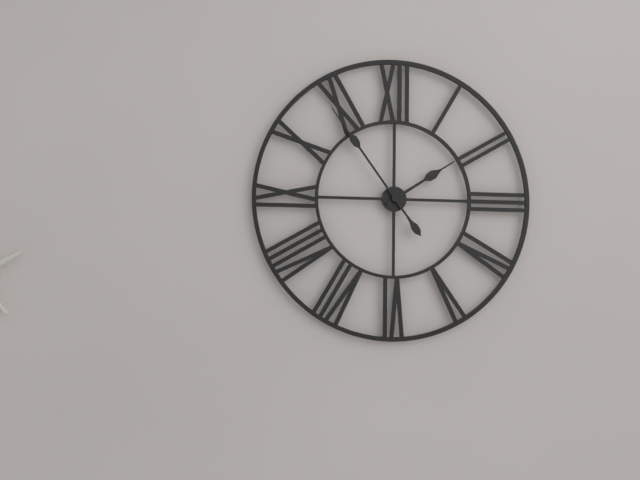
1.54
